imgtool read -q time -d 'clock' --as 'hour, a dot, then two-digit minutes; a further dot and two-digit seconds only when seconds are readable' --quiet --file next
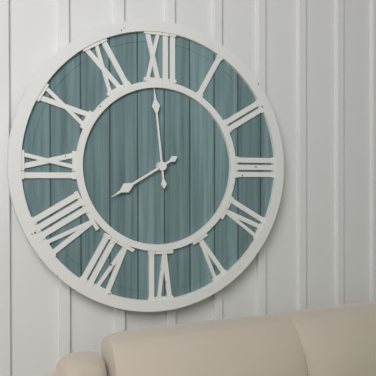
7.59
